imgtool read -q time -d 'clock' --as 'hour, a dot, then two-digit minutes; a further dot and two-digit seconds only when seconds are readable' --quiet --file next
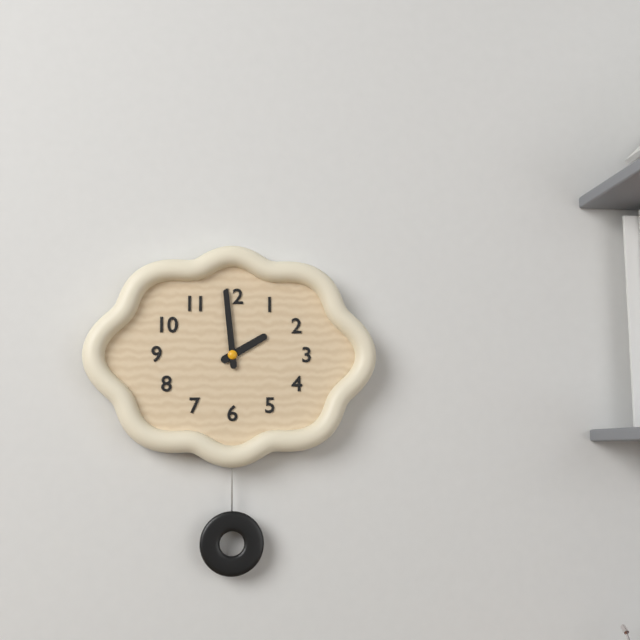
1.59
